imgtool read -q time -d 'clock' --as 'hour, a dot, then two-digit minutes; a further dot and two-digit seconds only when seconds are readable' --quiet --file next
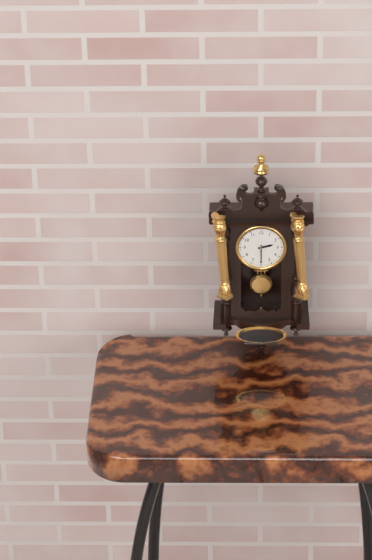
2.30
